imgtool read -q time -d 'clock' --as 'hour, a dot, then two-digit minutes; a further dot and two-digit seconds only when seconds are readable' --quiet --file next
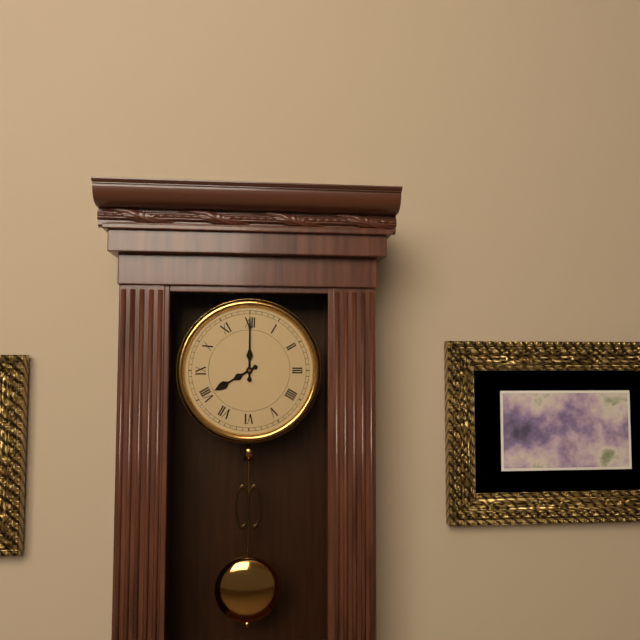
8.00
